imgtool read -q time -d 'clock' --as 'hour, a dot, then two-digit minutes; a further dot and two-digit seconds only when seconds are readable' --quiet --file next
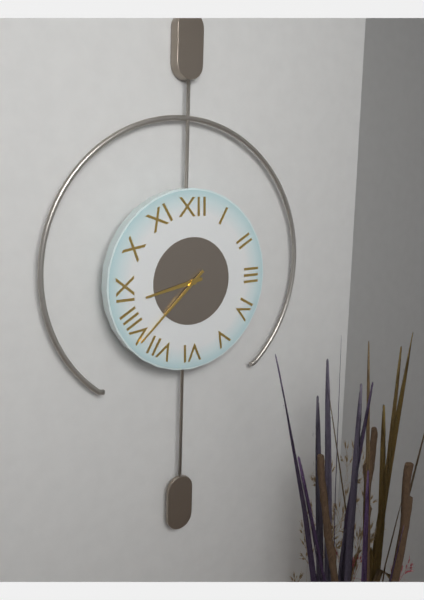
8.38
